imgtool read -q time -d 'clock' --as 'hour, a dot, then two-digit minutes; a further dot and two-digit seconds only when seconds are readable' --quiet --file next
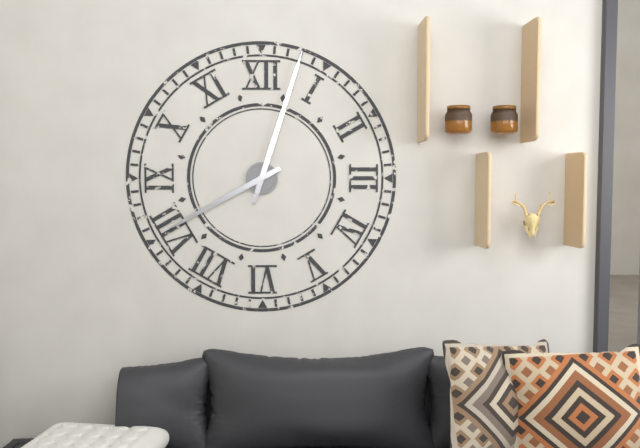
8.03
